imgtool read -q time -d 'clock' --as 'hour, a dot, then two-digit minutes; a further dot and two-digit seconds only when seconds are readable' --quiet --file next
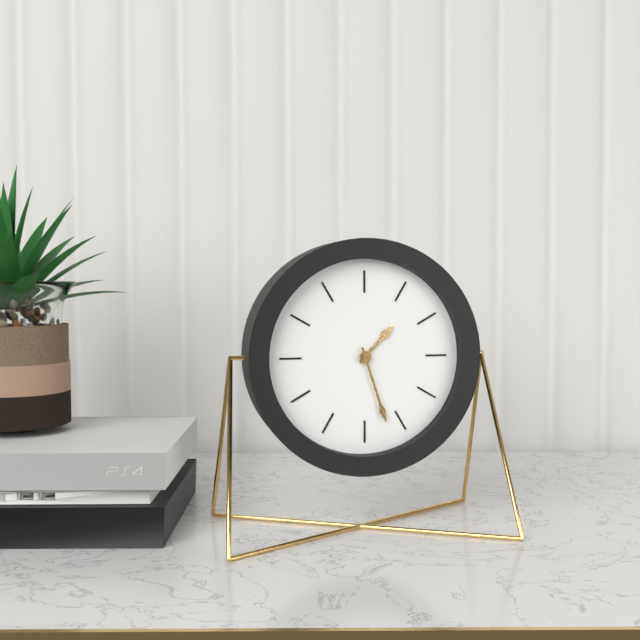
1.27
